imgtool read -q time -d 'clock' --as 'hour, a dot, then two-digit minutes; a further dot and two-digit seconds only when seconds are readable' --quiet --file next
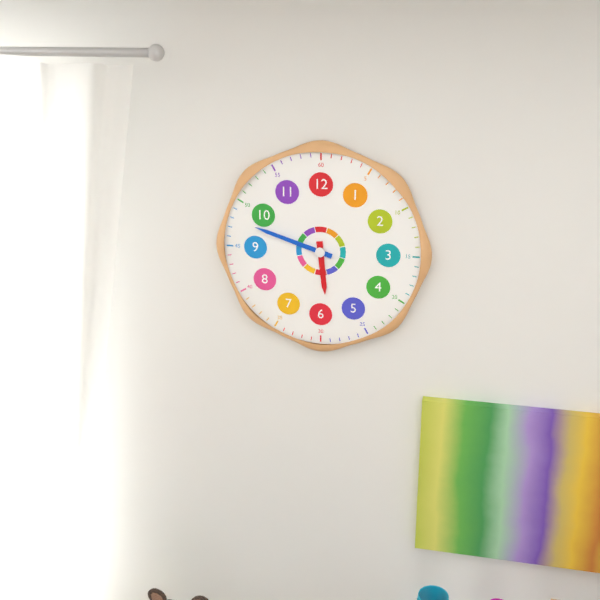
5.48
